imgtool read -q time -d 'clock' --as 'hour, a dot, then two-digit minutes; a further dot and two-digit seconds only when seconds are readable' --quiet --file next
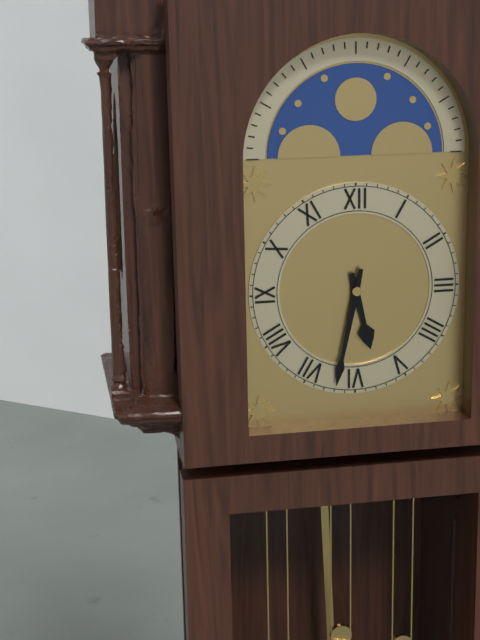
5.32
